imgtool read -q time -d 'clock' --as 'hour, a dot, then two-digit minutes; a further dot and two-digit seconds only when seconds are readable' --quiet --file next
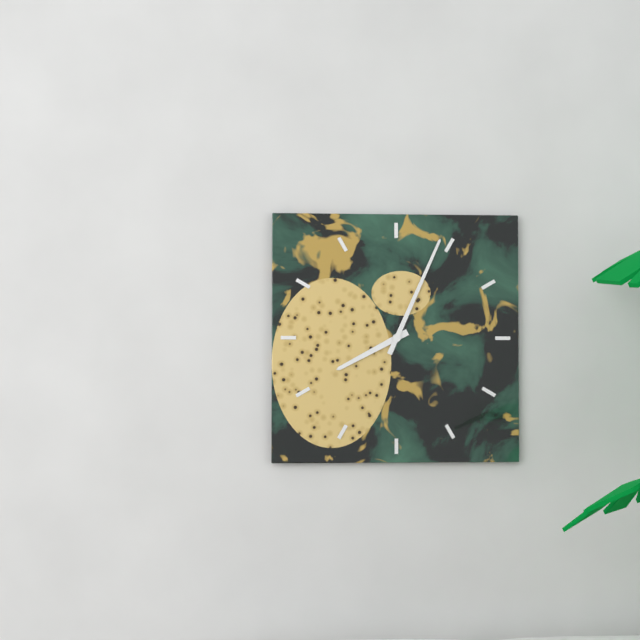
8.04
